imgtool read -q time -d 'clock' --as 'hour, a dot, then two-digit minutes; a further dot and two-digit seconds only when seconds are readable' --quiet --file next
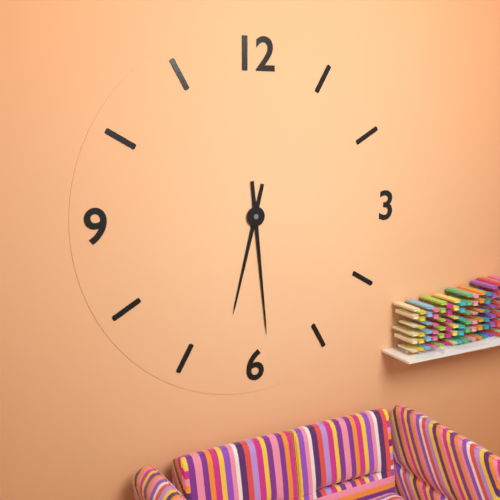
6.29
